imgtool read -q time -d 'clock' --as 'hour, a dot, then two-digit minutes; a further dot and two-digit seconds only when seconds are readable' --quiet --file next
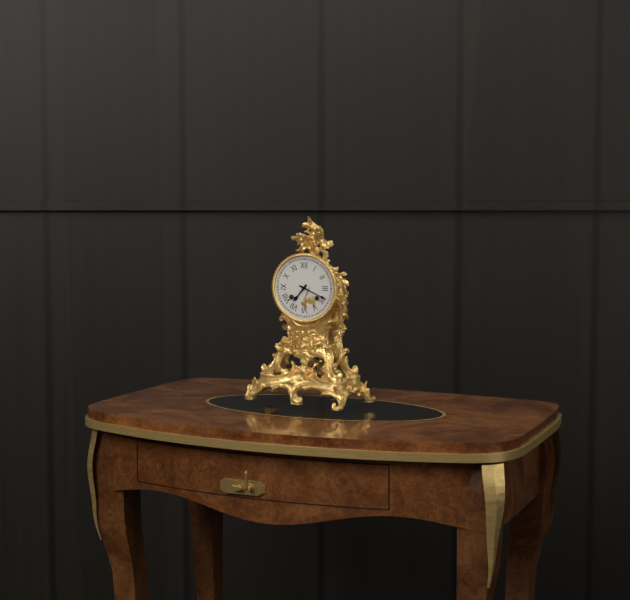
7.19
